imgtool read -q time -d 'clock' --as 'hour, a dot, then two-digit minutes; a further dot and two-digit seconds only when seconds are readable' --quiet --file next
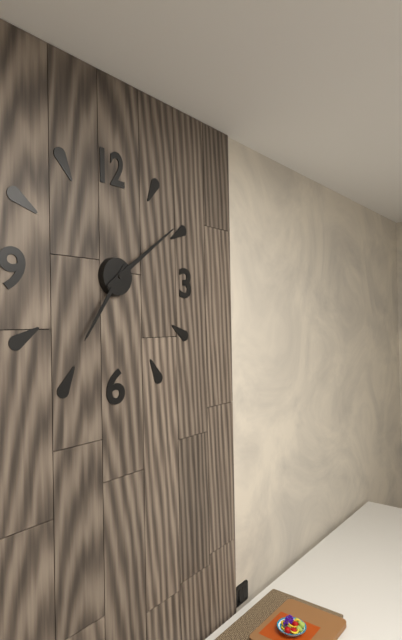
7.09
